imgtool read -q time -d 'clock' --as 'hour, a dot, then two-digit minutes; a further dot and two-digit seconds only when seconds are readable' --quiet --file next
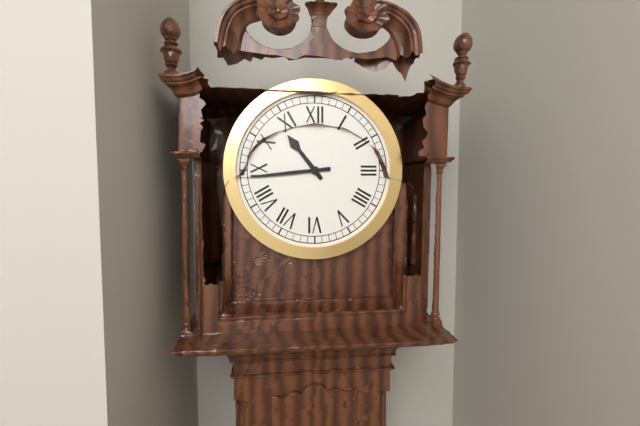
10.44
